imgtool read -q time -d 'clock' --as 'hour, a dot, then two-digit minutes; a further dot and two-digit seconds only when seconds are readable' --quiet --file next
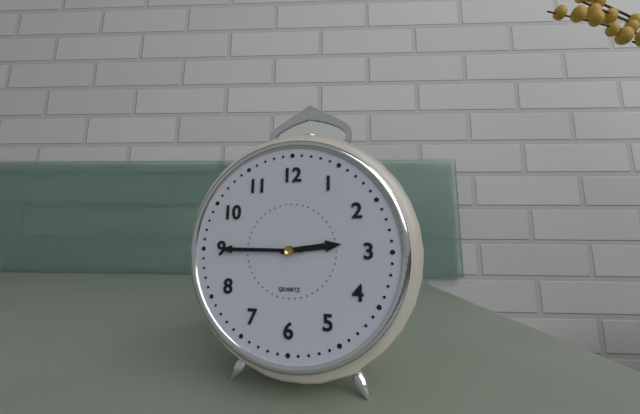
2.45
